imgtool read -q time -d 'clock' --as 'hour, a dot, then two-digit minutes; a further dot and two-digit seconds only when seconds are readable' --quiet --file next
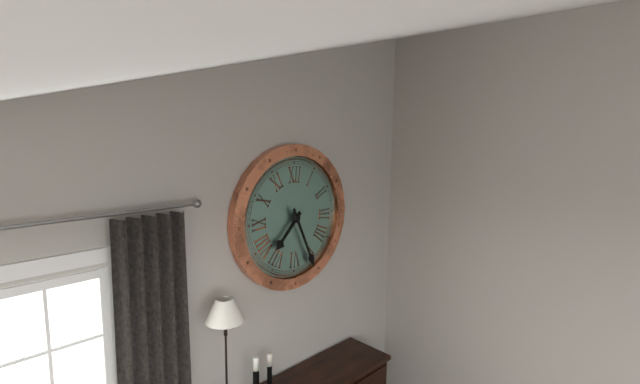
7.26
